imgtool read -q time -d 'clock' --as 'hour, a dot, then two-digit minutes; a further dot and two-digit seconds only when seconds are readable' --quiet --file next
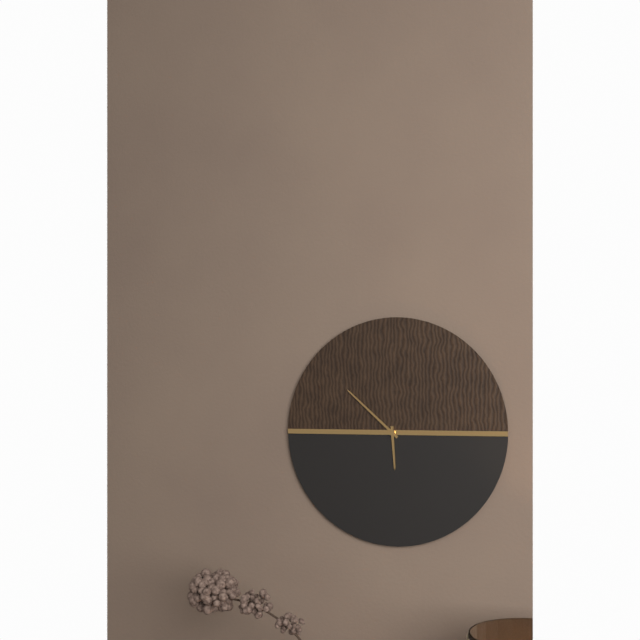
5.52
